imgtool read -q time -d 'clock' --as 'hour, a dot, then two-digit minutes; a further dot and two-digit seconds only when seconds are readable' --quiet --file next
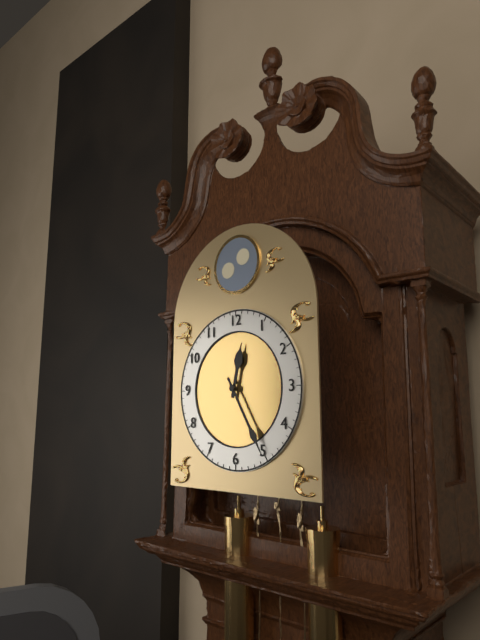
12.25
